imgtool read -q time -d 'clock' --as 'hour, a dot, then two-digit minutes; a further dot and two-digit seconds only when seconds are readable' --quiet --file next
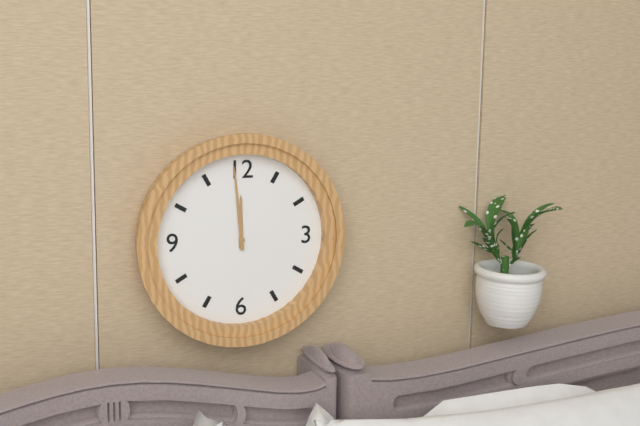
11.59
